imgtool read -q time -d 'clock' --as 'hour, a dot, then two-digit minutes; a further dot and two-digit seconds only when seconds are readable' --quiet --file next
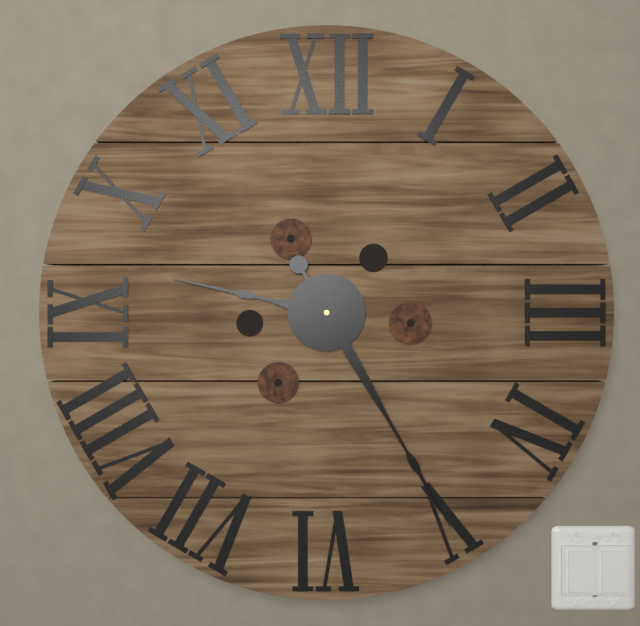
9.25
